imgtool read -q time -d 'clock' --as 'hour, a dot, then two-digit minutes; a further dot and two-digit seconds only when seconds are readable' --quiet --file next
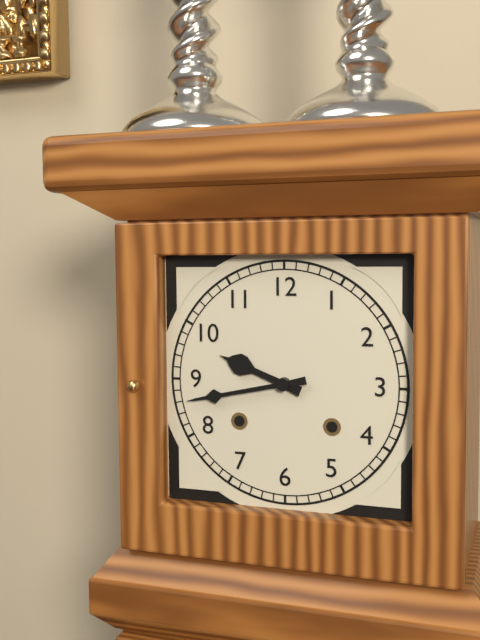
9.43
